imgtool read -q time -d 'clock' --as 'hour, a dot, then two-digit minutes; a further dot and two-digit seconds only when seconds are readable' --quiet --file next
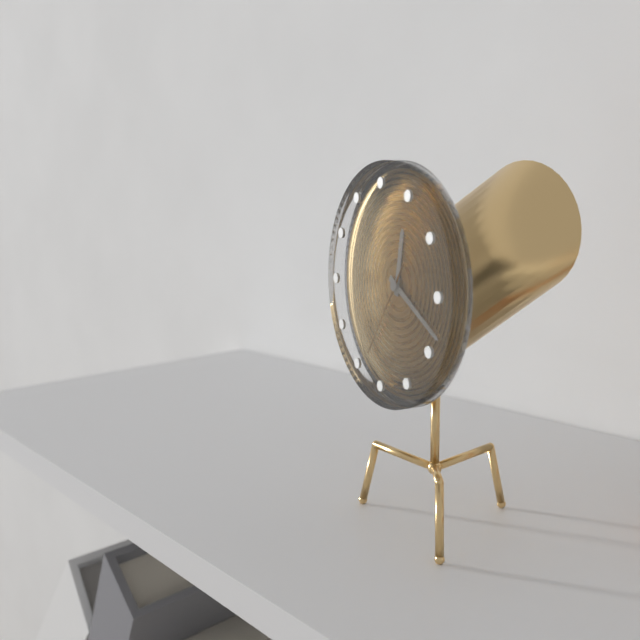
12.20.36
